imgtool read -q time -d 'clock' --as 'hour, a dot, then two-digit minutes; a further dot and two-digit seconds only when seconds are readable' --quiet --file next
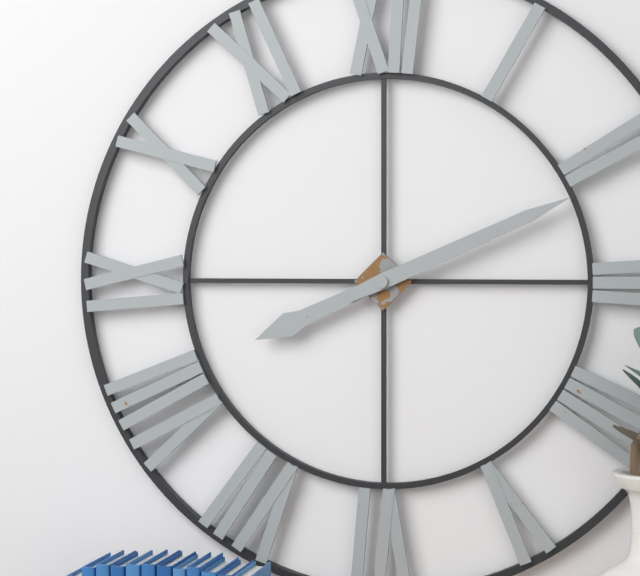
8.11
